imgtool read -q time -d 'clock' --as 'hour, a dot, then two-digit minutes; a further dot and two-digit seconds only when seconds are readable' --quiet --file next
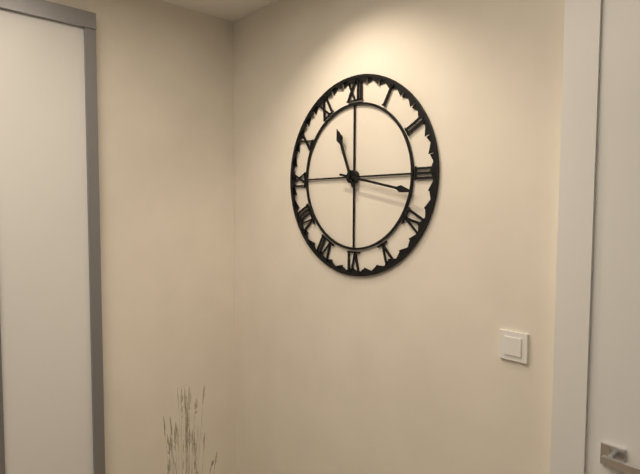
11.17
